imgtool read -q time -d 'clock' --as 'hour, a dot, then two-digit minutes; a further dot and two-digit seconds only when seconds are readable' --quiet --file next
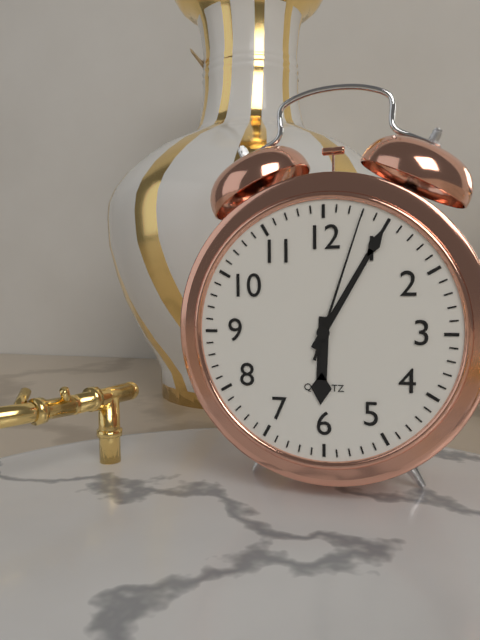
6.05.03
